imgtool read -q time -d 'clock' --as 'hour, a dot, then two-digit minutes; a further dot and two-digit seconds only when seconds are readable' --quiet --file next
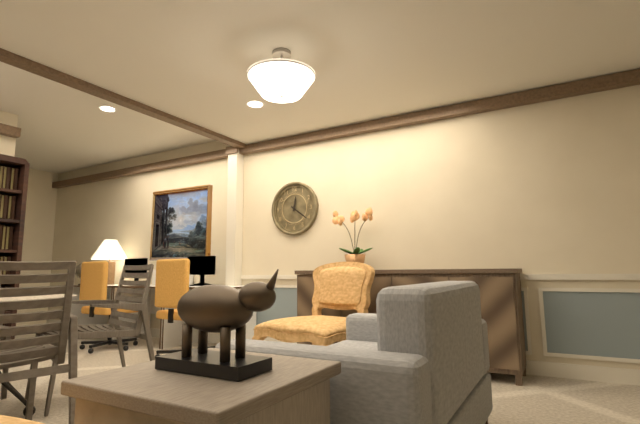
12.21
